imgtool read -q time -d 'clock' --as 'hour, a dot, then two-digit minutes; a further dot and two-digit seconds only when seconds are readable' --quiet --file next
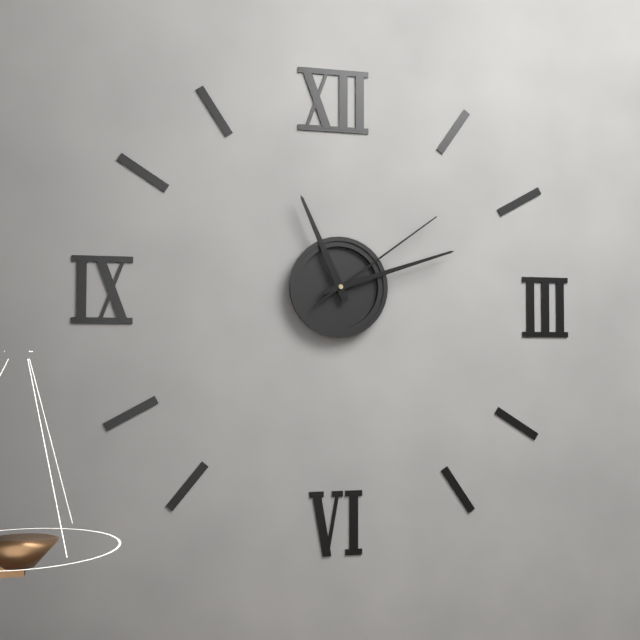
11.12.09
